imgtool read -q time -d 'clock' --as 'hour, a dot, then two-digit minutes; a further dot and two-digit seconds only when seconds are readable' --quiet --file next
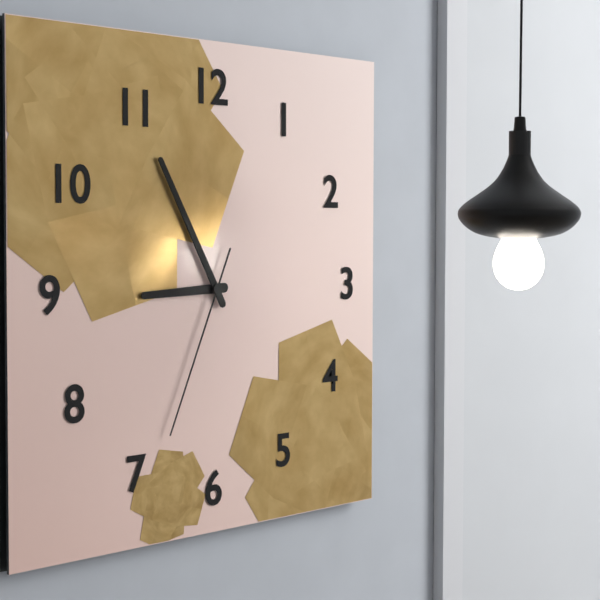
8.55.34
